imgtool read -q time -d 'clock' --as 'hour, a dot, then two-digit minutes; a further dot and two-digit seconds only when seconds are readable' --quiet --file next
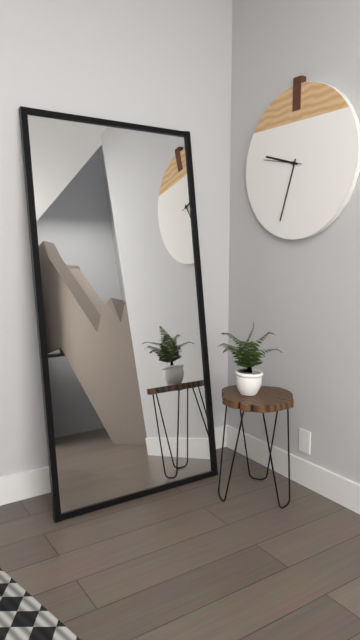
9.33
